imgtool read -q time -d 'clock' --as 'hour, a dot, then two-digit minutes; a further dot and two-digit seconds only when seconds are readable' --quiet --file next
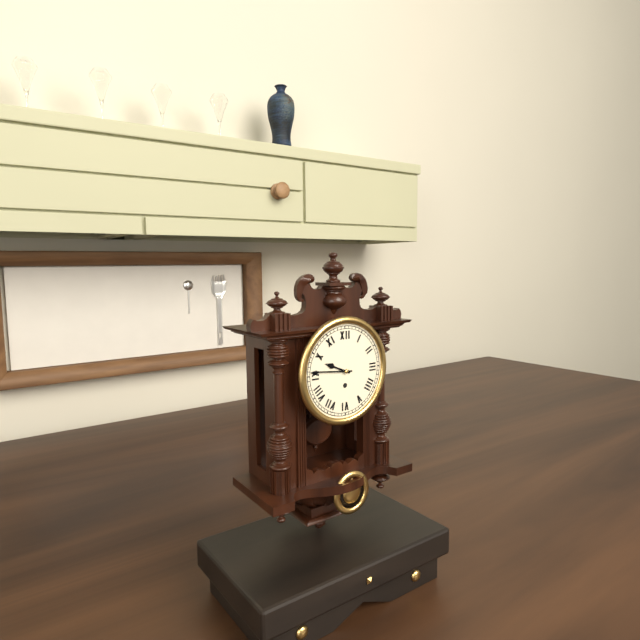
9.46
